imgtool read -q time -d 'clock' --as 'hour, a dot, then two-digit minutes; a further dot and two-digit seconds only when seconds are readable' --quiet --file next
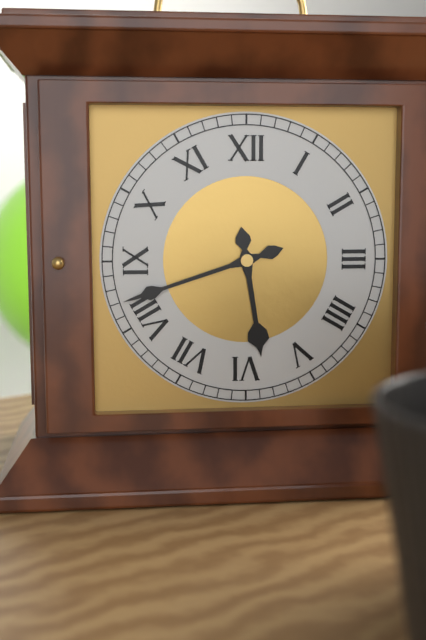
5.42
